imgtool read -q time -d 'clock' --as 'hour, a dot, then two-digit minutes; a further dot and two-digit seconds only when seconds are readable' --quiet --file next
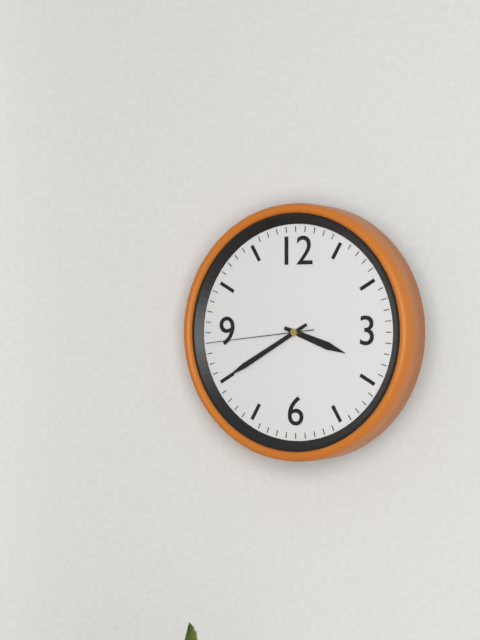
3.40.44
